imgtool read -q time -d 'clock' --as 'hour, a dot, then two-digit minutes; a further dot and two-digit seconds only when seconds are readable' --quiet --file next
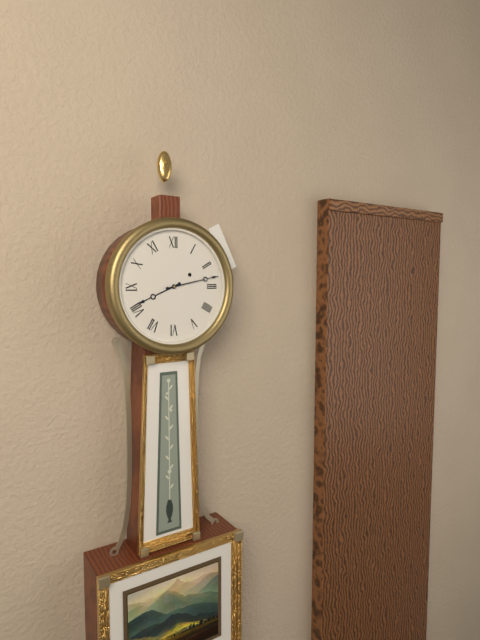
8.13
